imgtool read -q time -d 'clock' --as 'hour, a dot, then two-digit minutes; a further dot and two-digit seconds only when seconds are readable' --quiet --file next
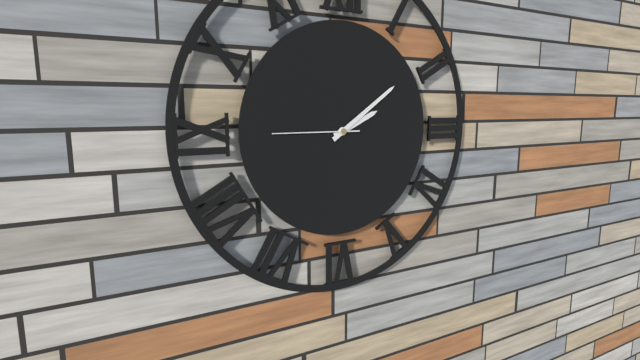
2.09.45
